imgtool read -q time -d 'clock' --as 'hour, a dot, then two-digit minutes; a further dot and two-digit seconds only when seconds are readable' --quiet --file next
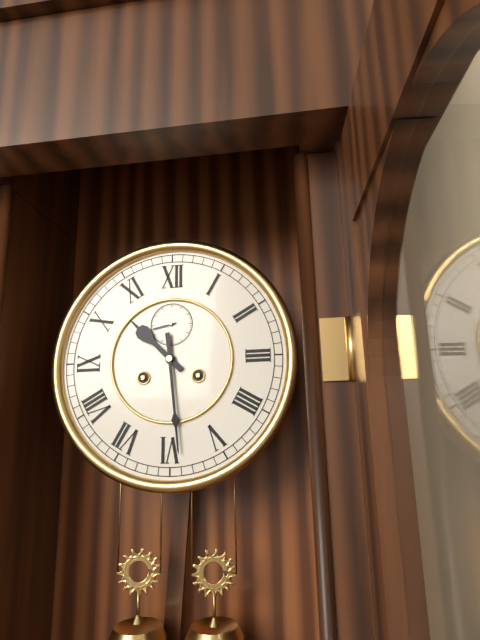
10.29
